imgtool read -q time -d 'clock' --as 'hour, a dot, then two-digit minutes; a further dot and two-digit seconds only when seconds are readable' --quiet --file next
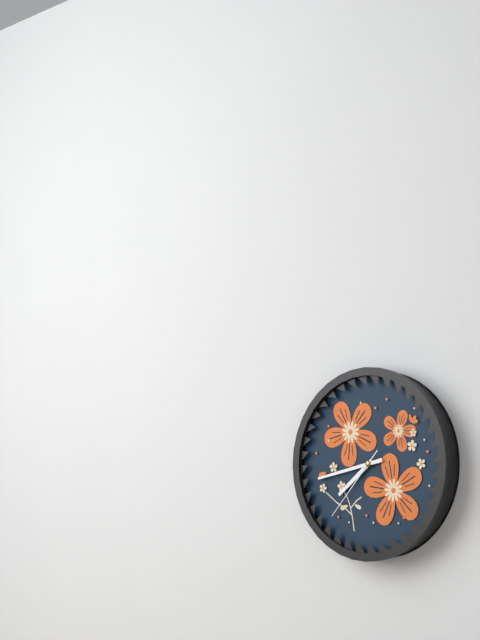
7.43.37
